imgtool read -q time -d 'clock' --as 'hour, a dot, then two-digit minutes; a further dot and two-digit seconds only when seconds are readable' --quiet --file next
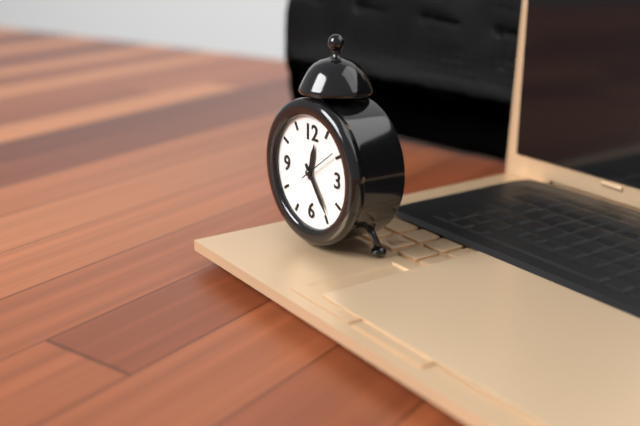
12.24
